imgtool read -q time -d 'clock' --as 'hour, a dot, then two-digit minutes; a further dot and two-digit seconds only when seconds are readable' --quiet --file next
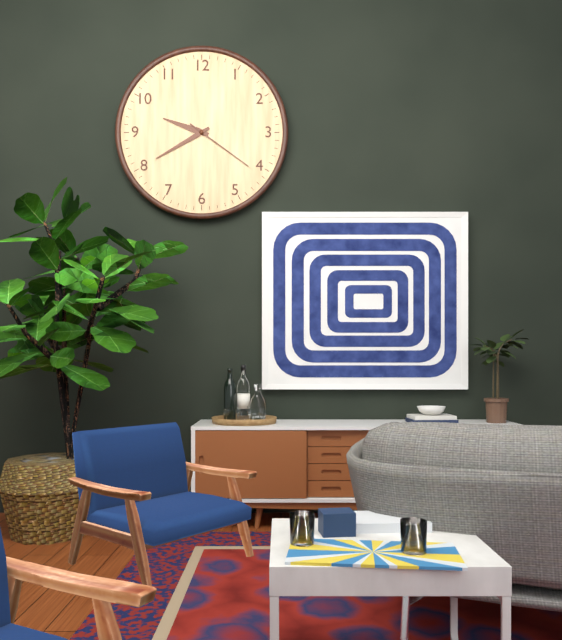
9.40.21
